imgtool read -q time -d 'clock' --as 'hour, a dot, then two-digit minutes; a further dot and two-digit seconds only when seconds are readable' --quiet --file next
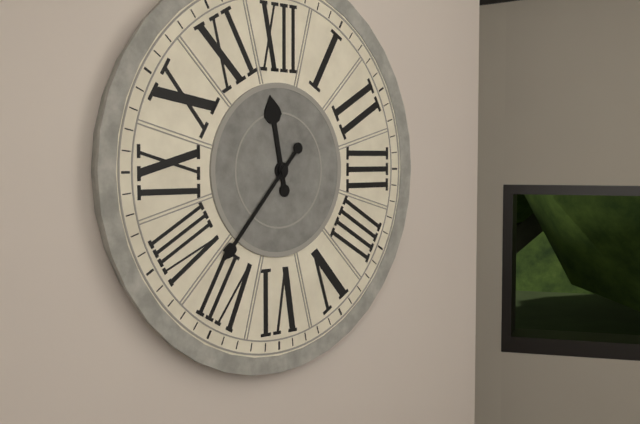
11.37
